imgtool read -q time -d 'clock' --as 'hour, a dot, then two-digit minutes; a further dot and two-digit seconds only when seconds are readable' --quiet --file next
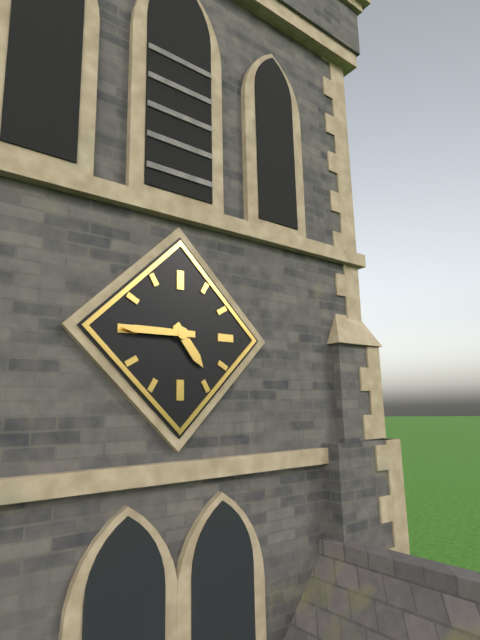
4.45
